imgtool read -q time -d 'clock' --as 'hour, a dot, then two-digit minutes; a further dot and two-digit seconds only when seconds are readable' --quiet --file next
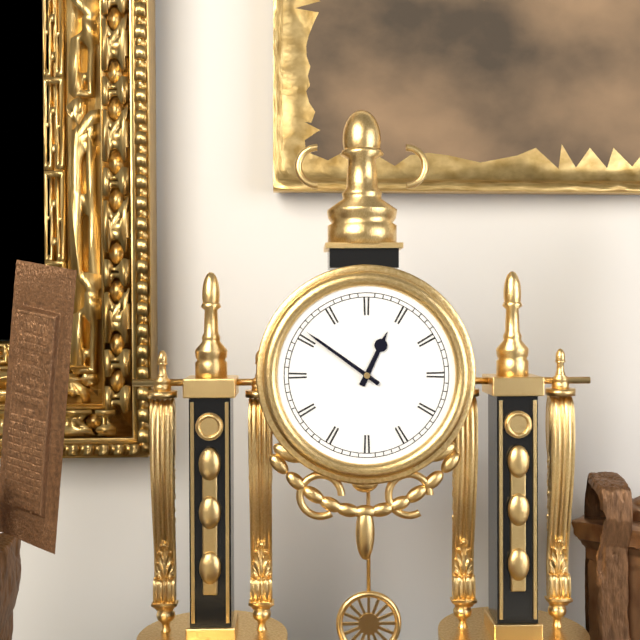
12.51
